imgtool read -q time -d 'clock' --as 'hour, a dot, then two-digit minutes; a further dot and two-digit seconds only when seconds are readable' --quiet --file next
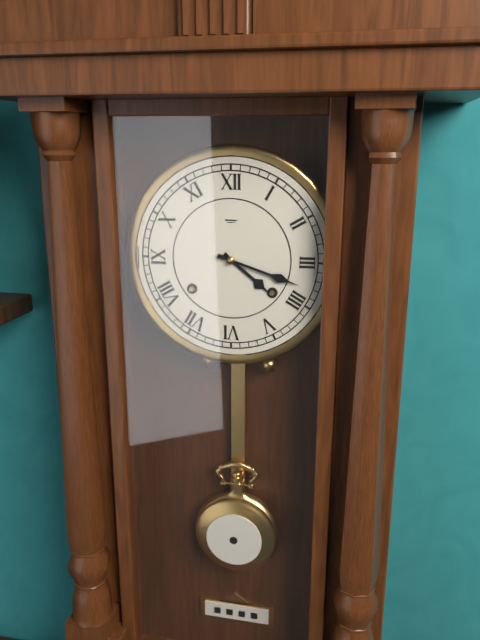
4.18
